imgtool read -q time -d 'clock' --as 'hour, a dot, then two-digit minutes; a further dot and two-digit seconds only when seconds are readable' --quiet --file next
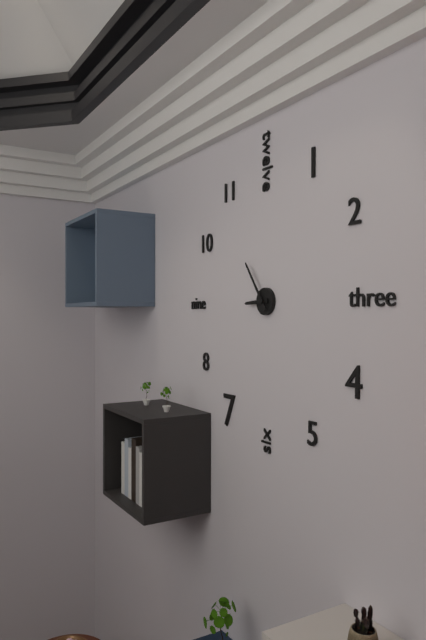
8.54
